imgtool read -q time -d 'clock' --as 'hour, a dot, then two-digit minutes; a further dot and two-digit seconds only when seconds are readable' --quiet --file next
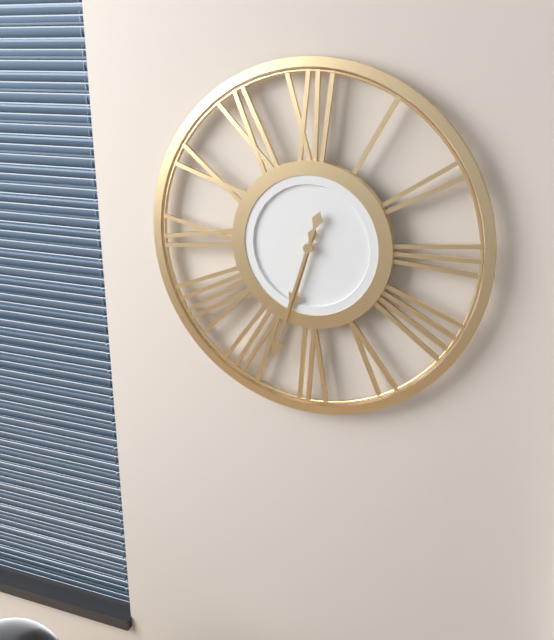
6.33
